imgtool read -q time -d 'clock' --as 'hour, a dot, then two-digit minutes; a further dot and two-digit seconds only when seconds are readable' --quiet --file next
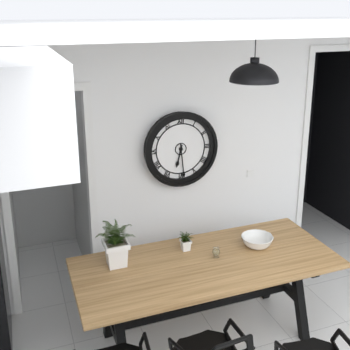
6.29
